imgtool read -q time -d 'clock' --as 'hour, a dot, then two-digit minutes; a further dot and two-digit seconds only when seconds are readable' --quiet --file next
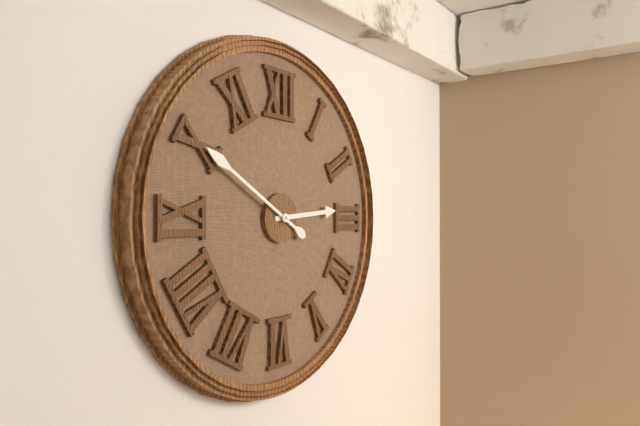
2.50
